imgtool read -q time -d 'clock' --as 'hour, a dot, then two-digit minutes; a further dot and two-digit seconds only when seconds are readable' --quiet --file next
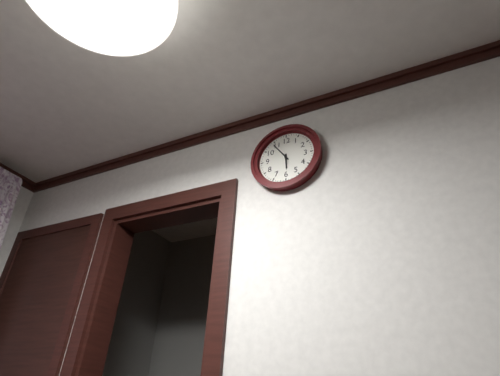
5.54
